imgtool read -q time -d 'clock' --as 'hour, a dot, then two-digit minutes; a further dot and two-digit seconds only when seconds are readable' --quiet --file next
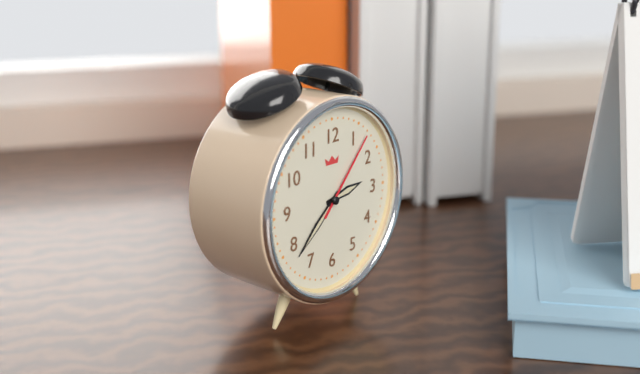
2.38.07
